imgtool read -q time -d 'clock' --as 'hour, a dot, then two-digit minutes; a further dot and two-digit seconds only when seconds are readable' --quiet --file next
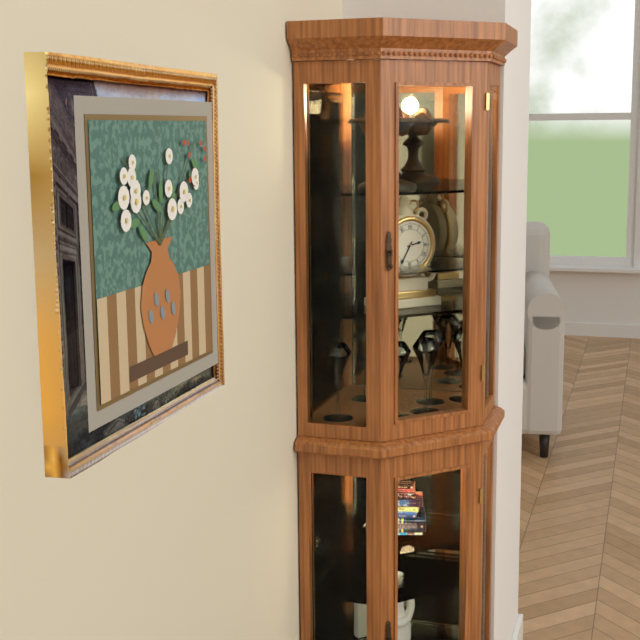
2.35
